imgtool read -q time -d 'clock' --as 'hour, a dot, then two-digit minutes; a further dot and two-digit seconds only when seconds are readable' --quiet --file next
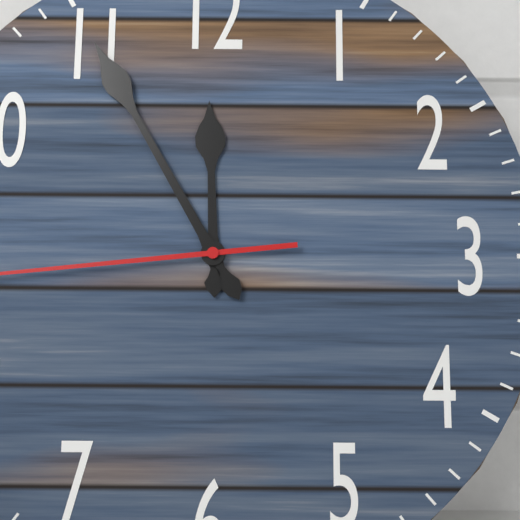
11.55
